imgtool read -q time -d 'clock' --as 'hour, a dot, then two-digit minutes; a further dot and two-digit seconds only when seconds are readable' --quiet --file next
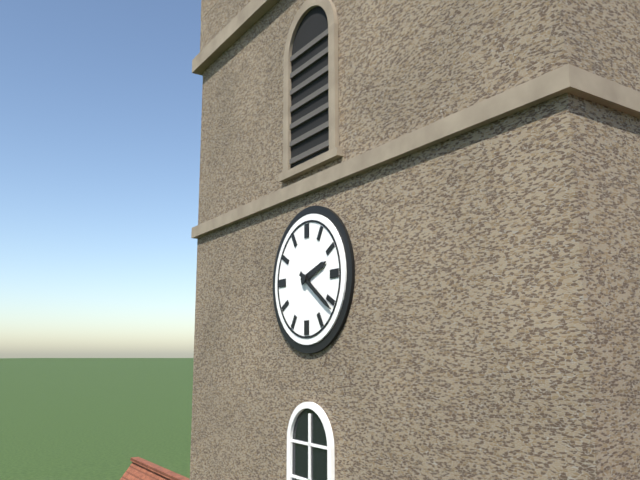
2.21
